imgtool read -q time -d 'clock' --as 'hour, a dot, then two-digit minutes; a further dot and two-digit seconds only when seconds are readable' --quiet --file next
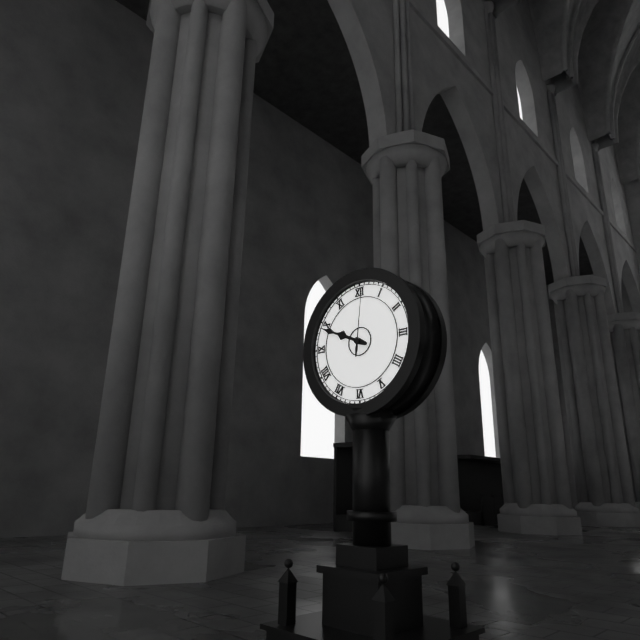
9.49.01
